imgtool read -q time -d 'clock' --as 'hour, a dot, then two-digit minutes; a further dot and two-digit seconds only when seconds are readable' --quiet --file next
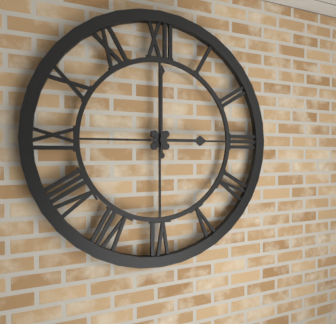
3.00
